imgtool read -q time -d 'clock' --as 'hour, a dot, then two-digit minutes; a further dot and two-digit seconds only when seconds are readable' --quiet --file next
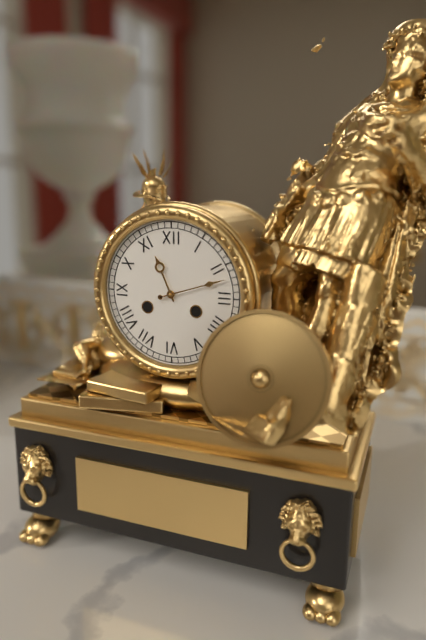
11.12
